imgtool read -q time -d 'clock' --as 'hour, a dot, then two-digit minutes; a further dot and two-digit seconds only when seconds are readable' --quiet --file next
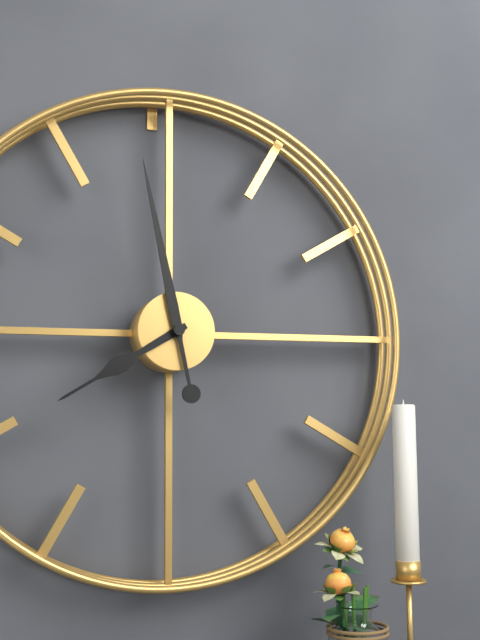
7.58
